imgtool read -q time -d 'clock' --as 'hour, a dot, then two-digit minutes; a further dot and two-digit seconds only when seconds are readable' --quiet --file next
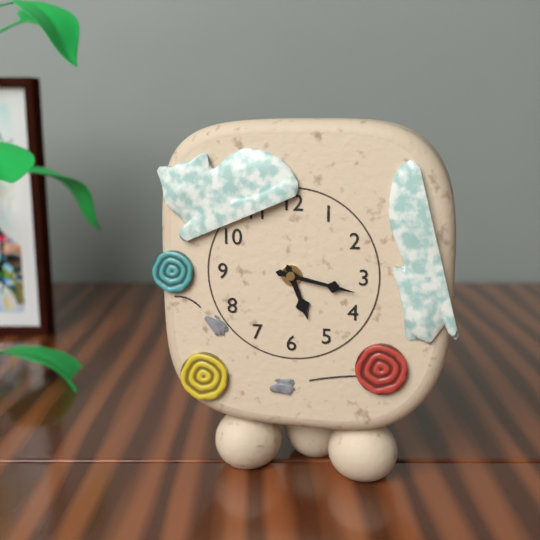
5.17
